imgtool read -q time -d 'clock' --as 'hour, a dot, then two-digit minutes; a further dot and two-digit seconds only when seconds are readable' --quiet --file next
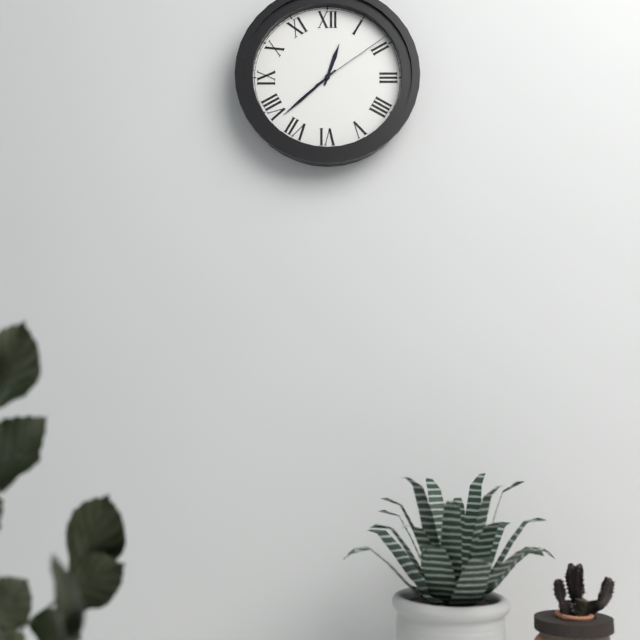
12.38.09
